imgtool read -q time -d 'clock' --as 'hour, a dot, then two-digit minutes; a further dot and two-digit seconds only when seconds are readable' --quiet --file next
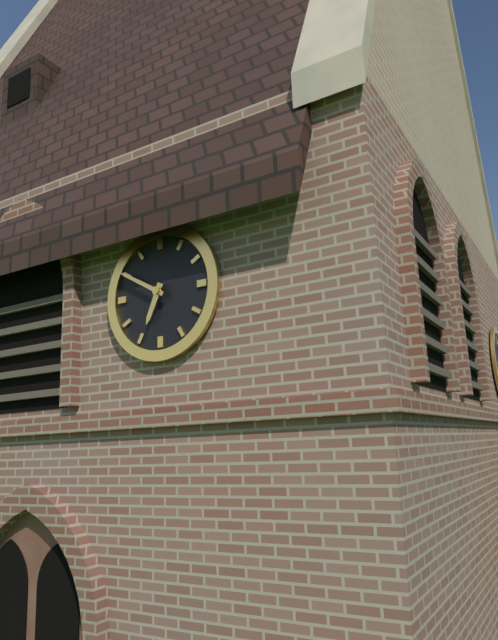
6.50
